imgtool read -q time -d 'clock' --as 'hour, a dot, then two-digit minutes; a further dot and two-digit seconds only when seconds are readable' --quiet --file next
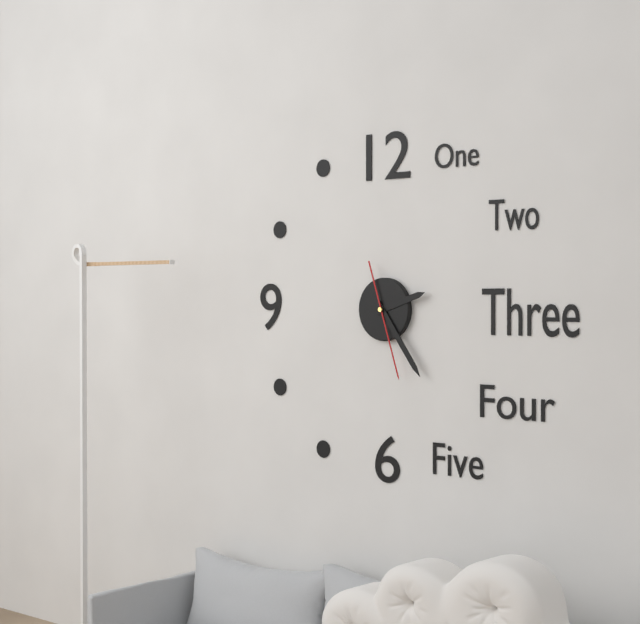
2.24.27
